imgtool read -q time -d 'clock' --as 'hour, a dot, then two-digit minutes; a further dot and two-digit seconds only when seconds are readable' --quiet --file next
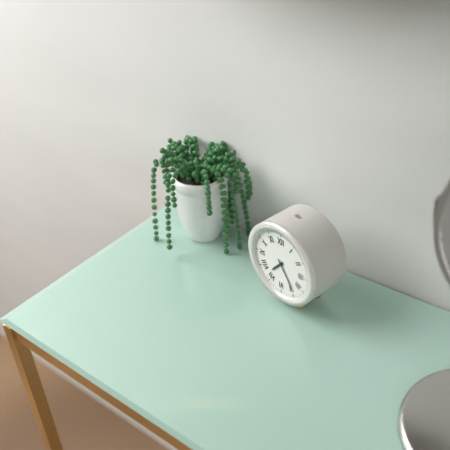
7.24
